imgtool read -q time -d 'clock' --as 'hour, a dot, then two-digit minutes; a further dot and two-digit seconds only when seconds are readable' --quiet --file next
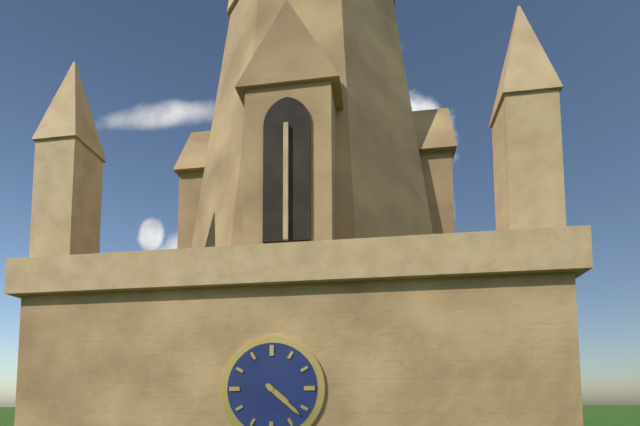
4.22
